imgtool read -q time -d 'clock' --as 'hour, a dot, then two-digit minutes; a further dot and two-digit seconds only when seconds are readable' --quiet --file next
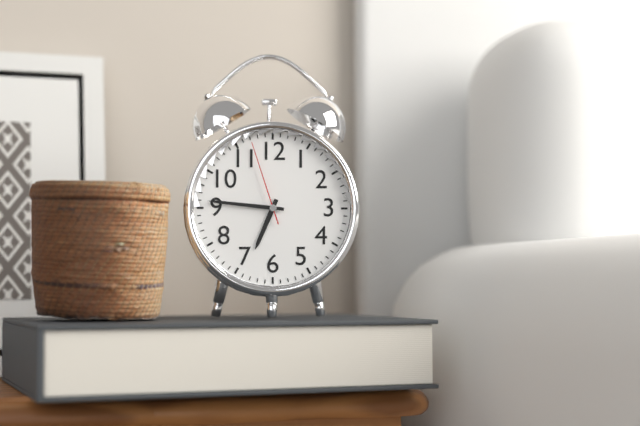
6.46.57
